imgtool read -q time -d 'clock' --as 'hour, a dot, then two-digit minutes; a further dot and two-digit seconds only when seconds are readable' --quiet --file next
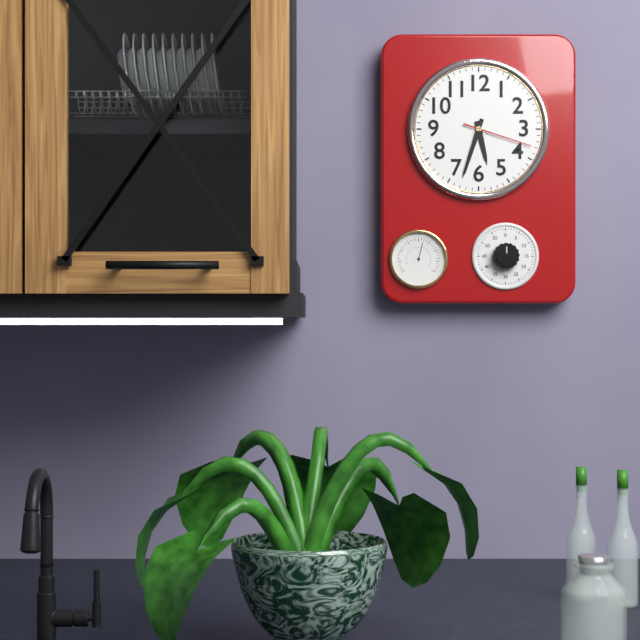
5.33.18
